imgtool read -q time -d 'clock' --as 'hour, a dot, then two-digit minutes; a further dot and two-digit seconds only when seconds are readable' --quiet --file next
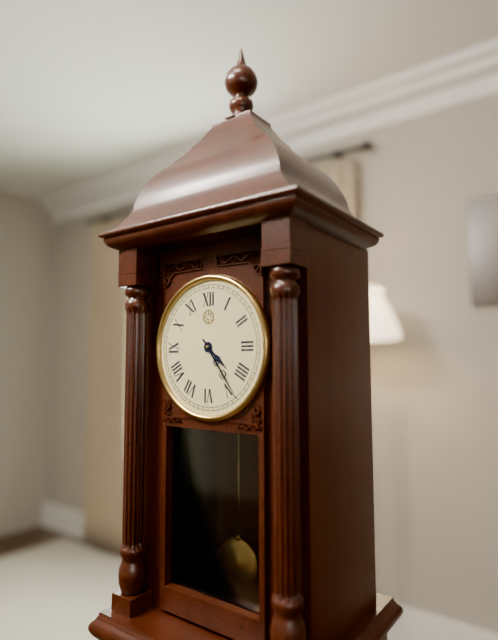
4.24
